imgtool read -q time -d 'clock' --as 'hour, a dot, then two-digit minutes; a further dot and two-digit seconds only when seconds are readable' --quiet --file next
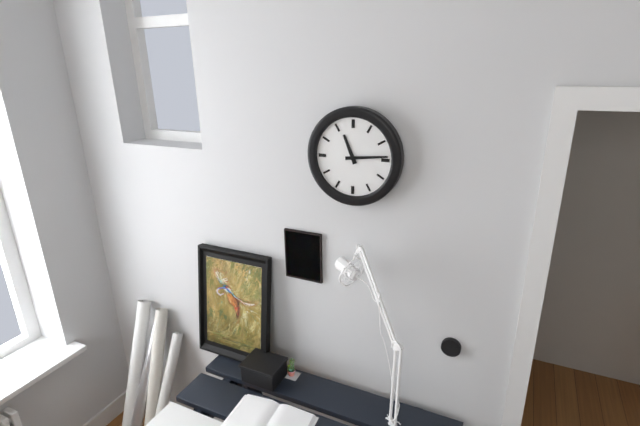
11.14
